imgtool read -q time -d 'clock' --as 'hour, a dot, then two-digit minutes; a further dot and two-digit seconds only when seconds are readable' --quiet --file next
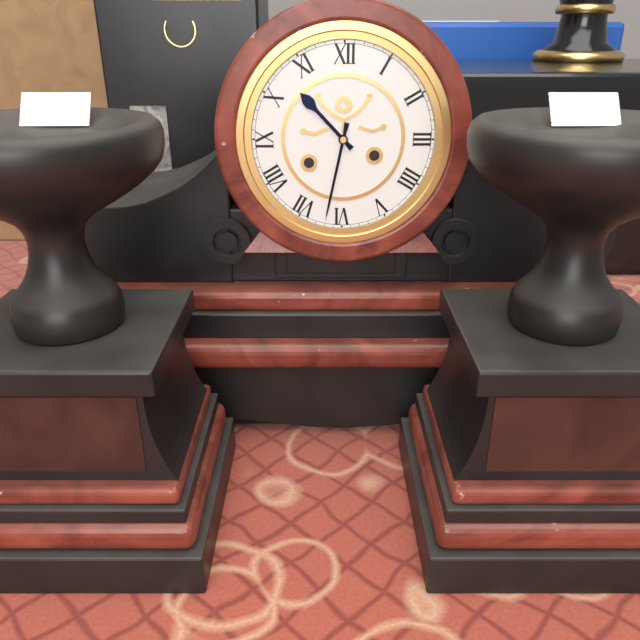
10.32
